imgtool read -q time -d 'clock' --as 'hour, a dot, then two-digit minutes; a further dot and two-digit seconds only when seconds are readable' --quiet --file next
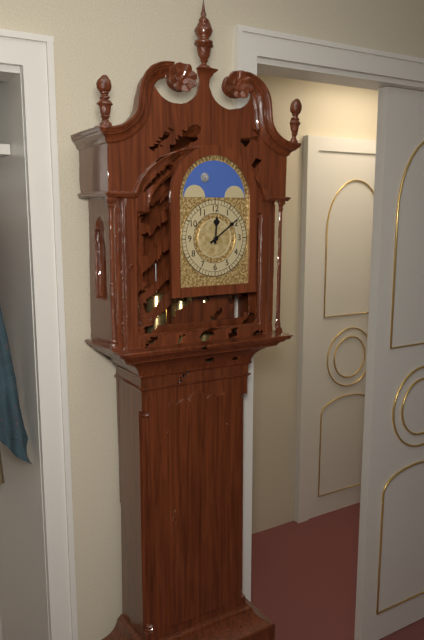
12.09
